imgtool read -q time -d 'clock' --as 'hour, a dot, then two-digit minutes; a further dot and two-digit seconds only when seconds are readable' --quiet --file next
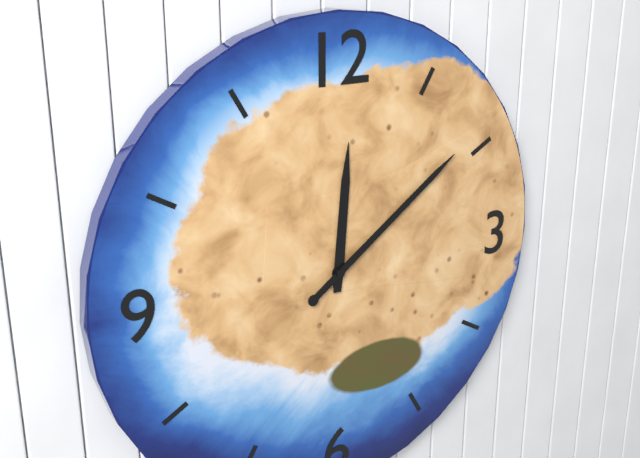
12.09
